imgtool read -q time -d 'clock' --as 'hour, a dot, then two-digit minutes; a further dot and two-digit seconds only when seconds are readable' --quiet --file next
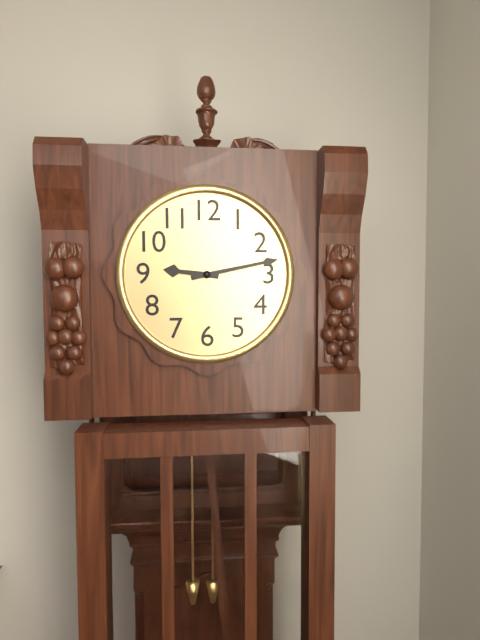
9.13
